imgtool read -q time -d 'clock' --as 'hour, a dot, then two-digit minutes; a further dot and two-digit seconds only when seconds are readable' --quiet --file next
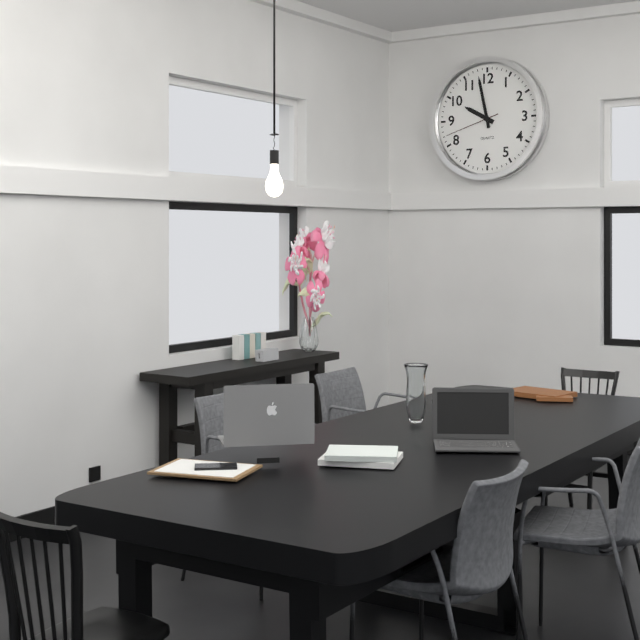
9.58.42
